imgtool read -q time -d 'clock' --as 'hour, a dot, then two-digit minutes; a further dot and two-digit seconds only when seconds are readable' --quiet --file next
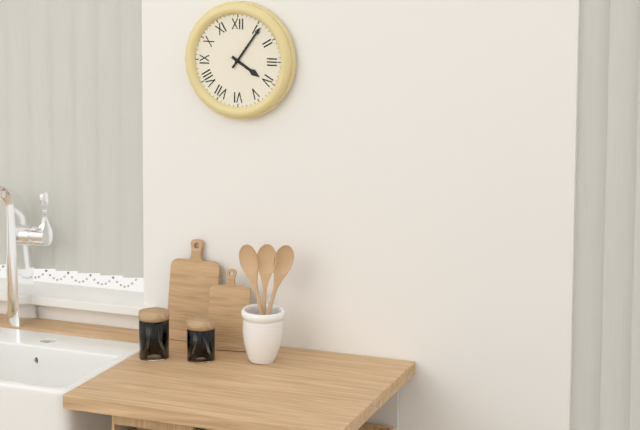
4.06
